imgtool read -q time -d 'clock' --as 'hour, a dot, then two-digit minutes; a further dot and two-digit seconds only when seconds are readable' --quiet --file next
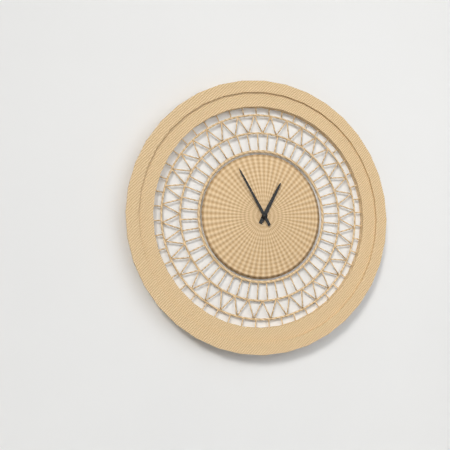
12.55
